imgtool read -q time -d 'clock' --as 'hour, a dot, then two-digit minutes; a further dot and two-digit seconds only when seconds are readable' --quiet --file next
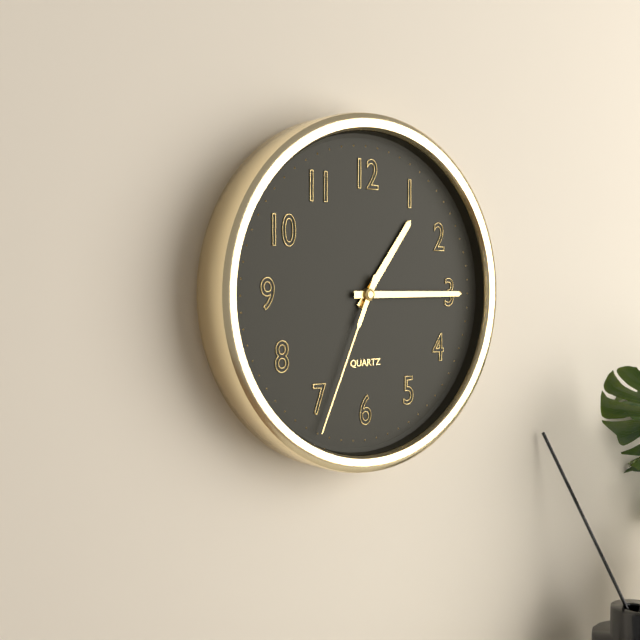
1.15.34
